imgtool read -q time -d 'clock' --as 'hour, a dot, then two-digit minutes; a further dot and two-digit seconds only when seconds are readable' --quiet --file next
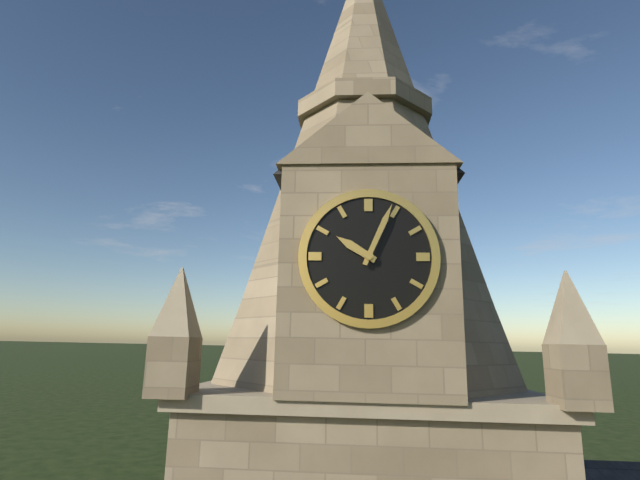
10.04
